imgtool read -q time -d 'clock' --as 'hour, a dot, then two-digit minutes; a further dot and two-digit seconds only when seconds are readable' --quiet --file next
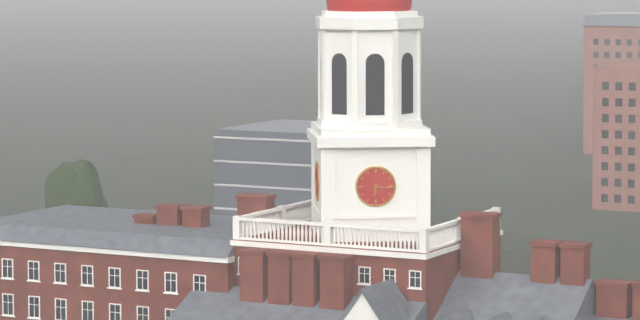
6.16
